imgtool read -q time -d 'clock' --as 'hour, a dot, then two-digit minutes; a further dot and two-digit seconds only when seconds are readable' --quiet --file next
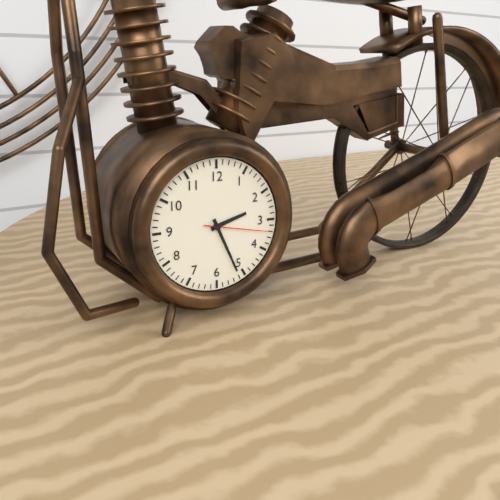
2.26.17
